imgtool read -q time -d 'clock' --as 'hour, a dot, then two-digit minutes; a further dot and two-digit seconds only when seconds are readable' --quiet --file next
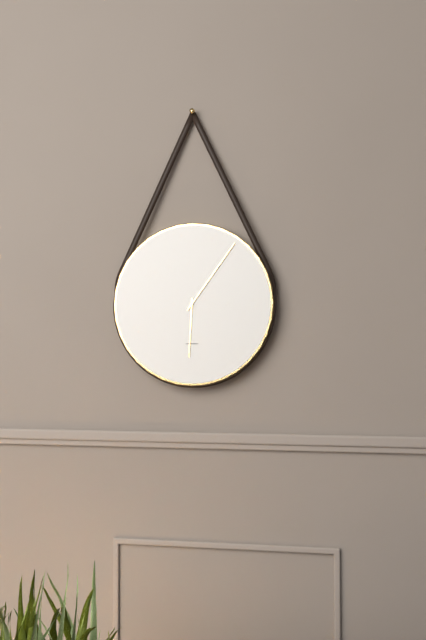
6.06
